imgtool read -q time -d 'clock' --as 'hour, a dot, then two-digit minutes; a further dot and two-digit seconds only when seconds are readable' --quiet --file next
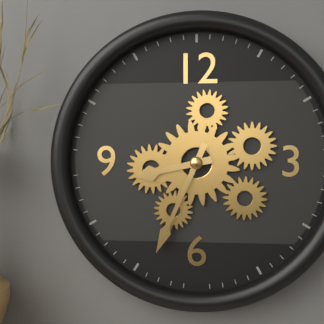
8.34
